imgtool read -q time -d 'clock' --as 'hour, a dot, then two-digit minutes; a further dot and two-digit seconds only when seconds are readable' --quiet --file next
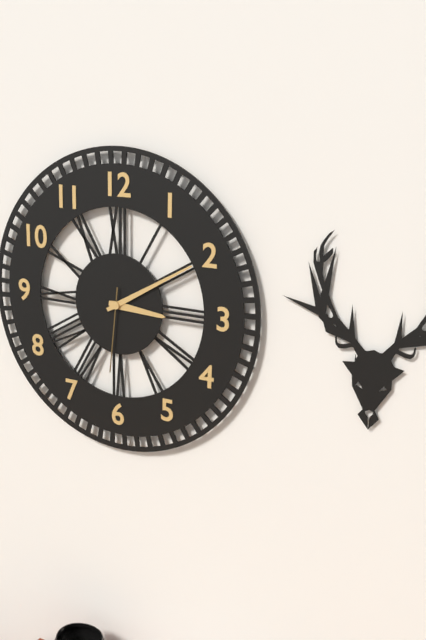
3.10.31
